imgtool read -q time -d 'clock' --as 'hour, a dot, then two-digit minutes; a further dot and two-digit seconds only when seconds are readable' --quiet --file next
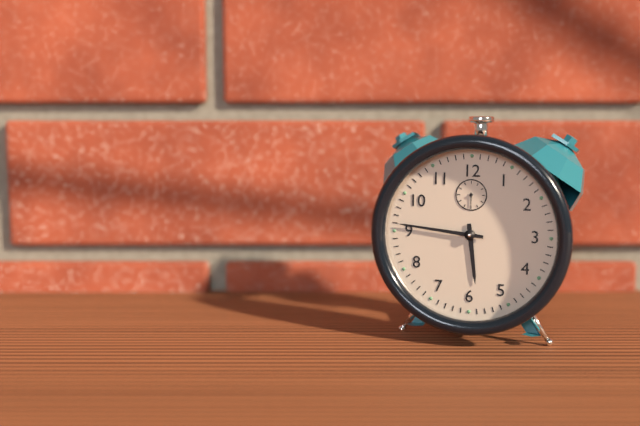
5.46
